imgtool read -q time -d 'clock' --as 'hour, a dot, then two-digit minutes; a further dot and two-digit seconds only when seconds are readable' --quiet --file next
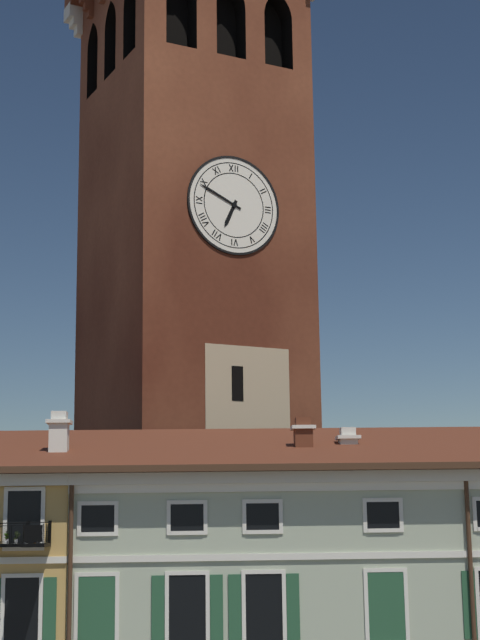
6.49
